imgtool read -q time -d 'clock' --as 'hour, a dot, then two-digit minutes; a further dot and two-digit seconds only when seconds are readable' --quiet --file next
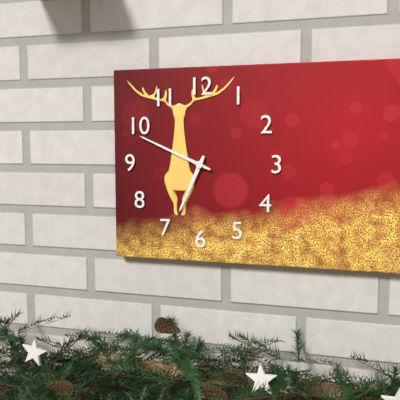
6.49
